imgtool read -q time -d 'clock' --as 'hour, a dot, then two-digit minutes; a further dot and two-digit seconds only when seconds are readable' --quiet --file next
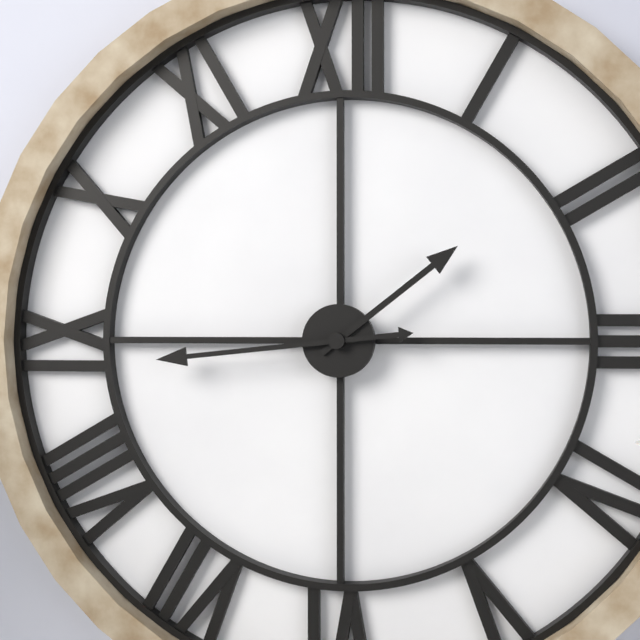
1.44
